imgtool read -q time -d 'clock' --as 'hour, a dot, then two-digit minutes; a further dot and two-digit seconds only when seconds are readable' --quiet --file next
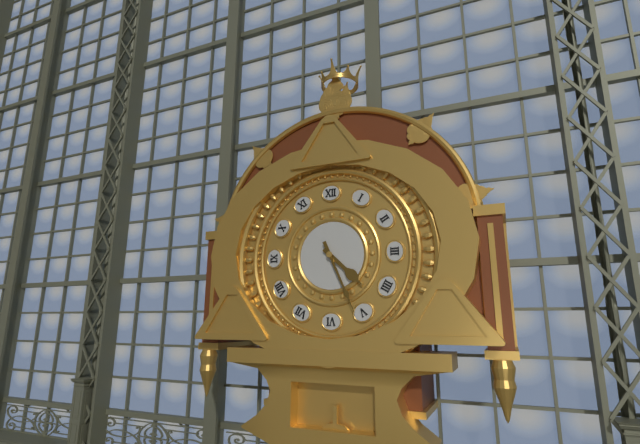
4.26
